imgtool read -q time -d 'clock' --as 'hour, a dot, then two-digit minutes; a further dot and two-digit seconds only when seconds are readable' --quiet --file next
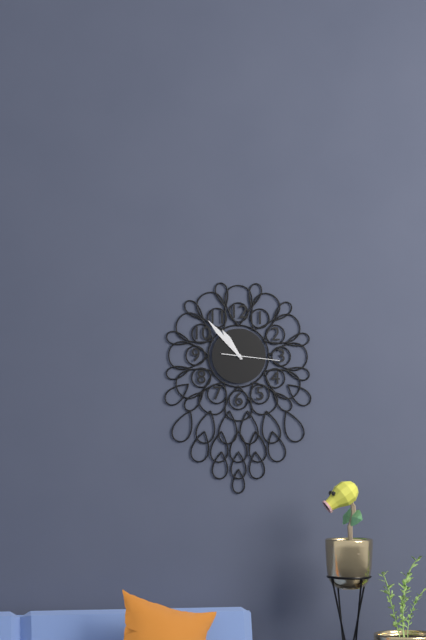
10.53.16
